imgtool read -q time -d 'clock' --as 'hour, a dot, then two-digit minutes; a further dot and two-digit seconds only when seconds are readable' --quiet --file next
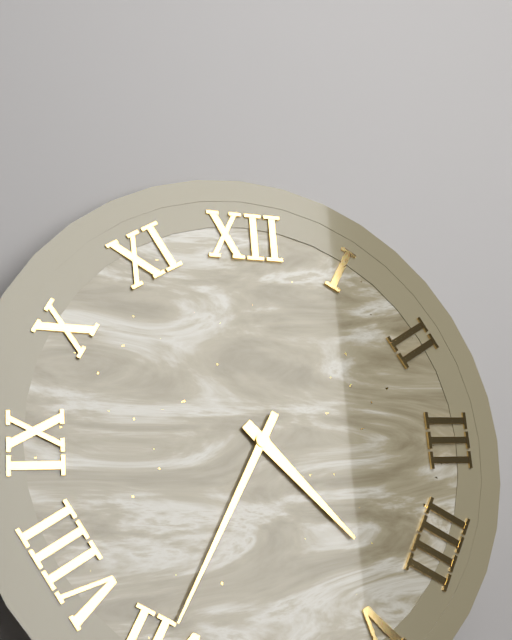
4.35
